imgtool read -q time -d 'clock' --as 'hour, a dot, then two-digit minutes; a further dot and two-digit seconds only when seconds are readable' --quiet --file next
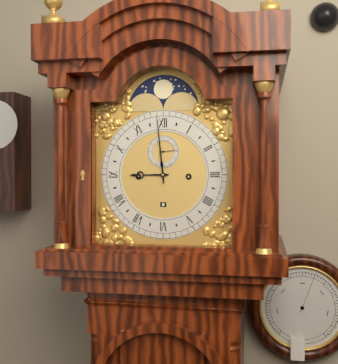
8.59
